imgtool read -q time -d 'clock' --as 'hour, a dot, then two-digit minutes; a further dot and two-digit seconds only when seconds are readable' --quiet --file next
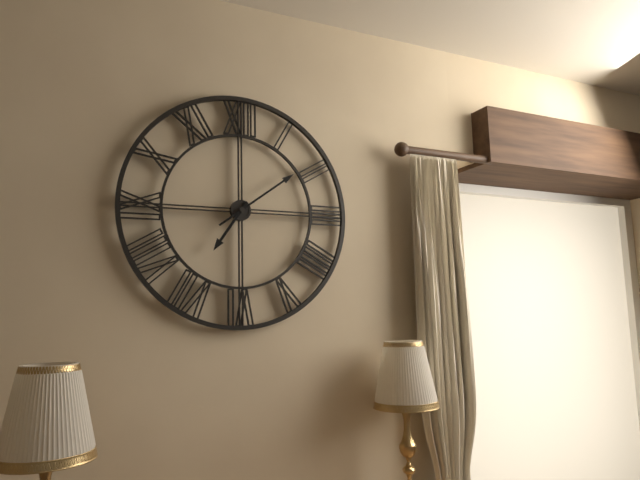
7.09
